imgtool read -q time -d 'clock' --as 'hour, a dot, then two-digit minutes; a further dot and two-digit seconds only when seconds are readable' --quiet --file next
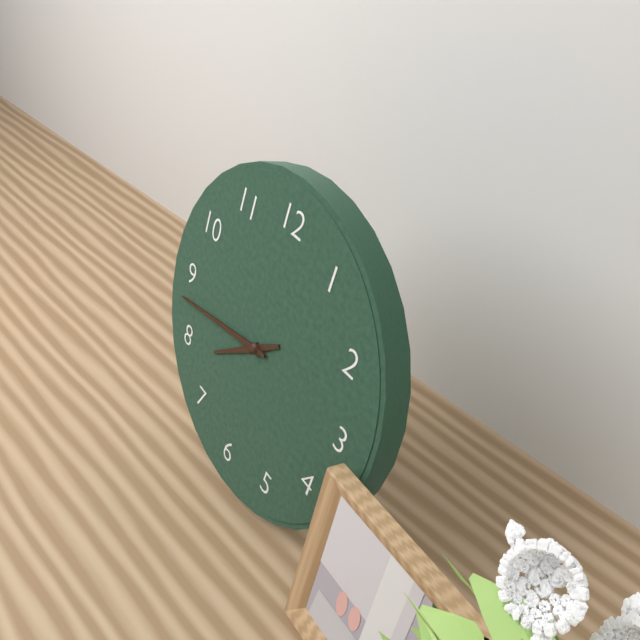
7.43
